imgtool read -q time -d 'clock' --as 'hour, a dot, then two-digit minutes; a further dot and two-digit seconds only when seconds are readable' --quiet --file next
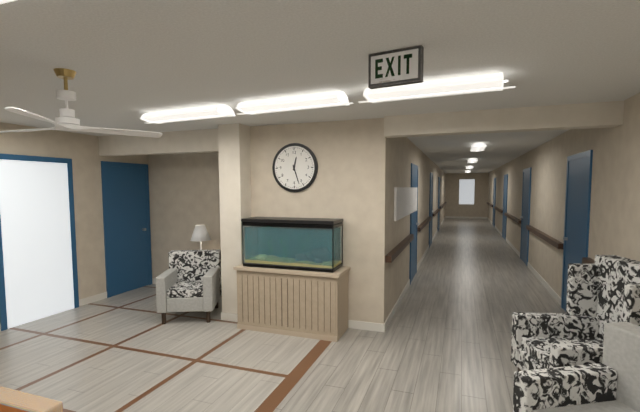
12.27
